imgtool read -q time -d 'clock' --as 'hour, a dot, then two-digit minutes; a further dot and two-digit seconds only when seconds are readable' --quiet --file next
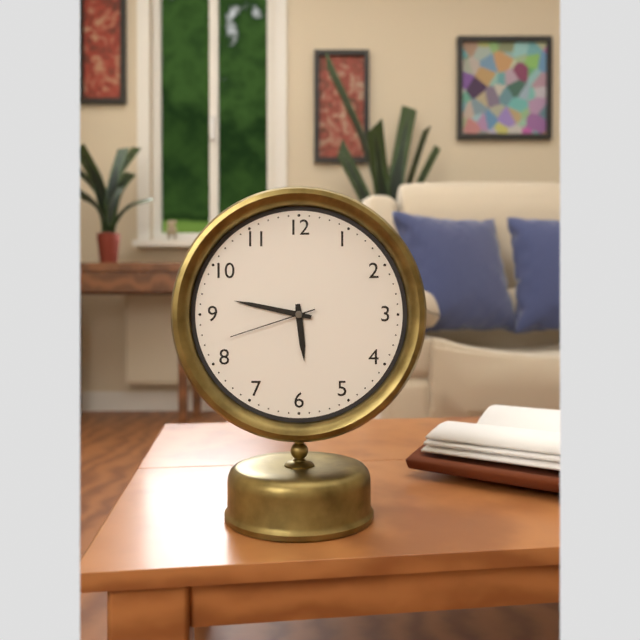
5.47.42
